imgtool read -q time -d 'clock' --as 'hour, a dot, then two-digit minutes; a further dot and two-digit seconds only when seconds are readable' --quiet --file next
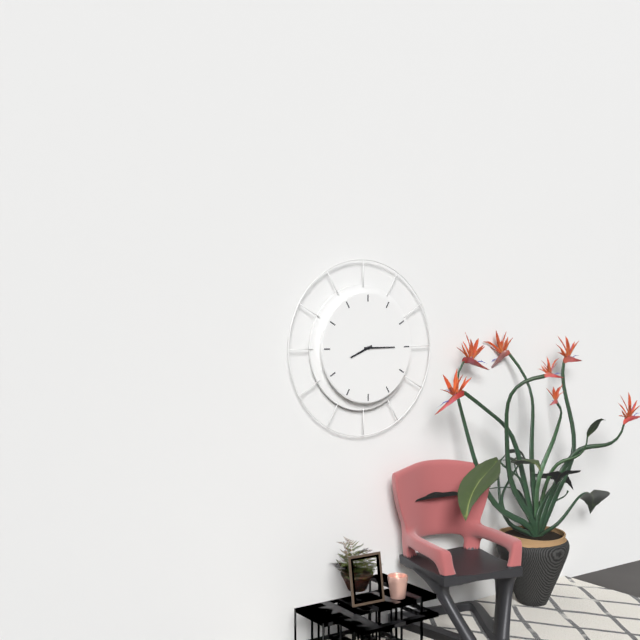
8.15
